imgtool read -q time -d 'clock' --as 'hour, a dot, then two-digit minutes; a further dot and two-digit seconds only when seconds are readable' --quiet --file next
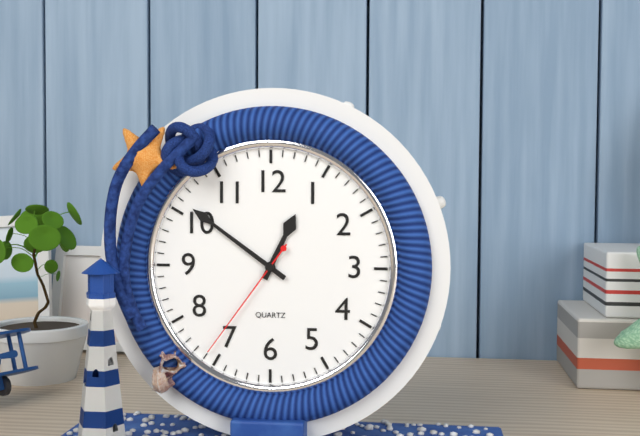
12.51.36
